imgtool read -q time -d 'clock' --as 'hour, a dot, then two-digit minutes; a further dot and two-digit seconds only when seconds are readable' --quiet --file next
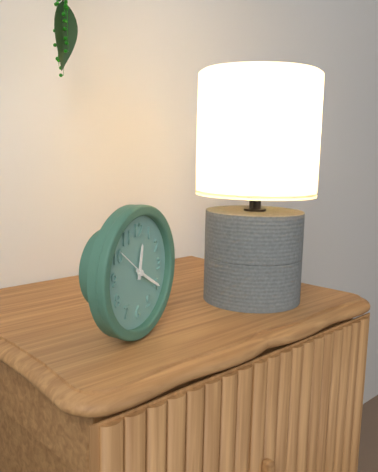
12.20
